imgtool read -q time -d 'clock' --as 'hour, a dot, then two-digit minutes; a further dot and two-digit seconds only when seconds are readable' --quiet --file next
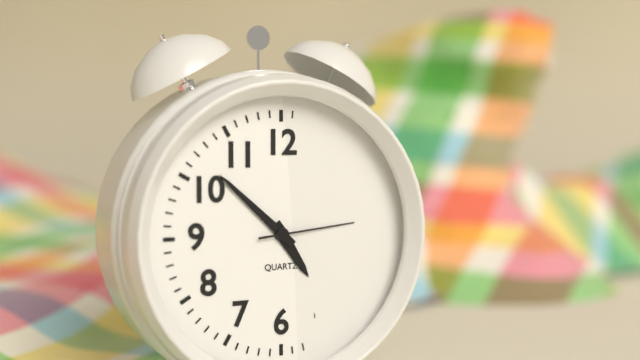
4.52.14
